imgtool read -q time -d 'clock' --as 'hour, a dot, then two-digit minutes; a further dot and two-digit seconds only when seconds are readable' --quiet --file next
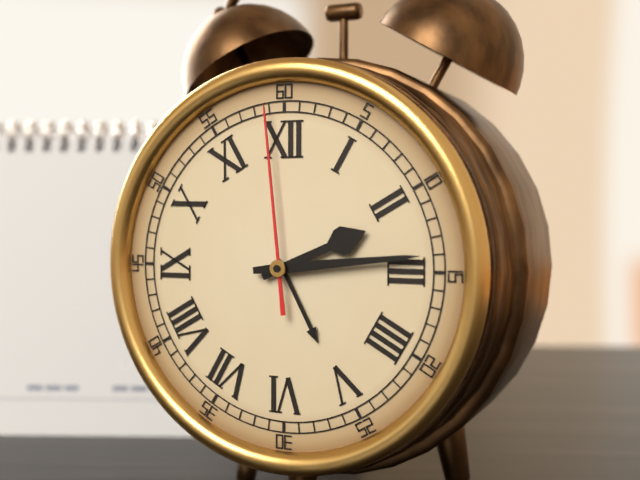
2.14.59
